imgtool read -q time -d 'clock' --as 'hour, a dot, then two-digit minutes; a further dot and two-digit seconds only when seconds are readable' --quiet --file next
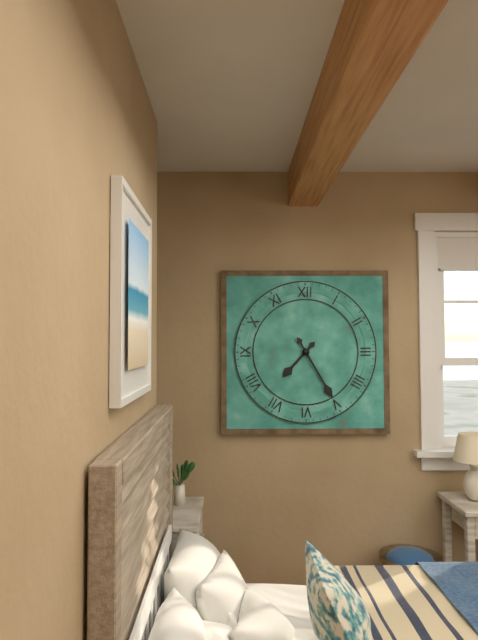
7.25
